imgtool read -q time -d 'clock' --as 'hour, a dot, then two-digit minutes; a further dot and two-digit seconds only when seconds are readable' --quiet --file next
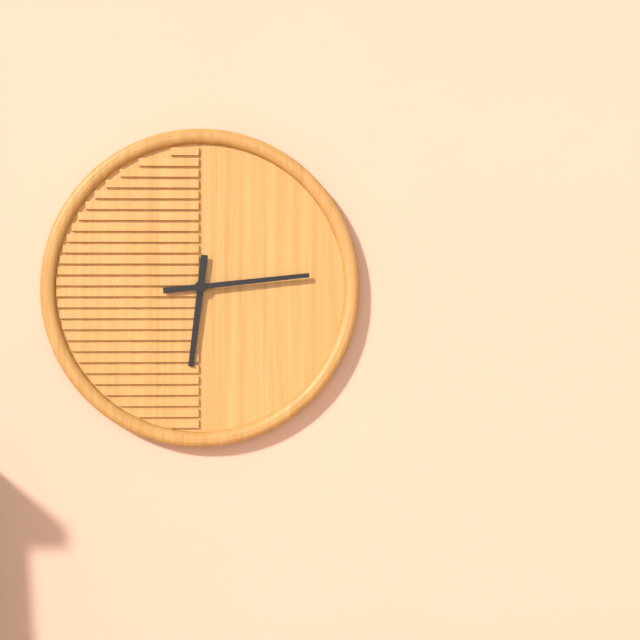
6.14
